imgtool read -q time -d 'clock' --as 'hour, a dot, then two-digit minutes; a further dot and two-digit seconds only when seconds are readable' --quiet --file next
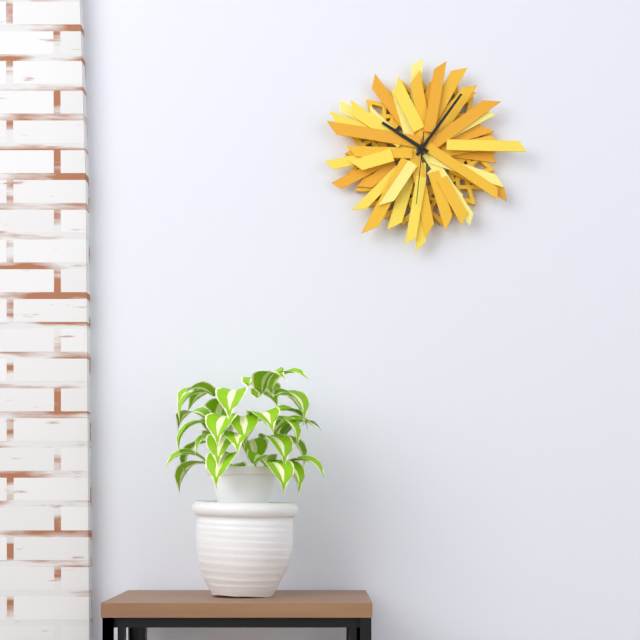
10.06.31
